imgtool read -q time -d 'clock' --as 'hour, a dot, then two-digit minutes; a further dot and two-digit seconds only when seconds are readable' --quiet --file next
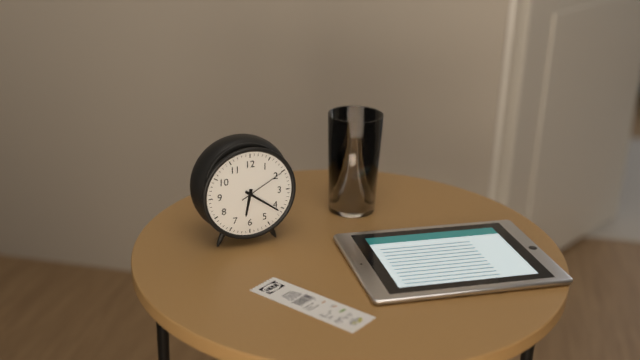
6.21
